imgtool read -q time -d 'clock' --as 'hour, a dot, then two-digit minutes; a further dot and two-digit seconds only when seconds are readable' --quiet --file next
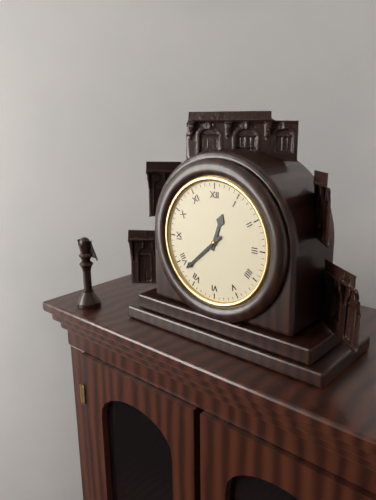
12.38
